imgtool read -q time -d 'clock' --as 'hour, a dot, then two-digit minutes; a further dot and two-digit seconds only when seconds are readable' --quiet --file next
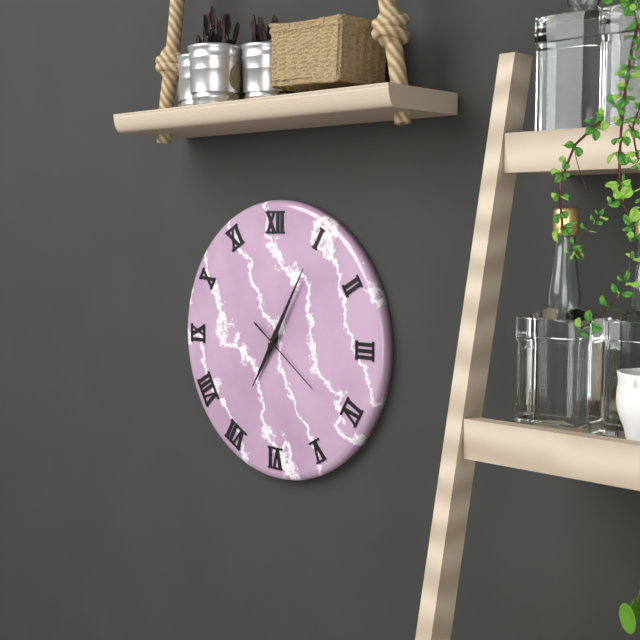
7.05.21
